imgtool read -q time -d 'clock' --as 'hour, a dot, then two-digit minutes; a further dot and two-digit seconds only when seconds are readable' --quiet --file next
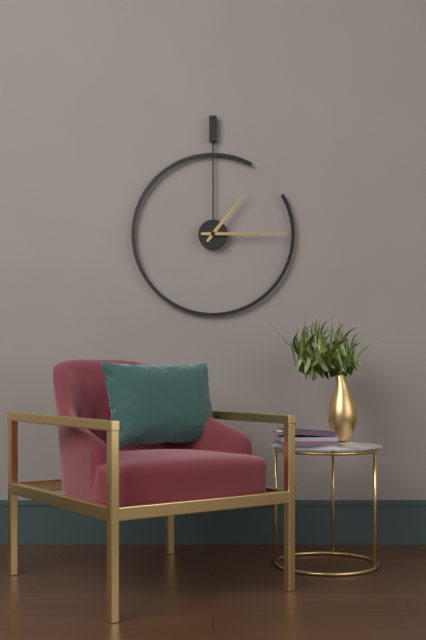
1.15
